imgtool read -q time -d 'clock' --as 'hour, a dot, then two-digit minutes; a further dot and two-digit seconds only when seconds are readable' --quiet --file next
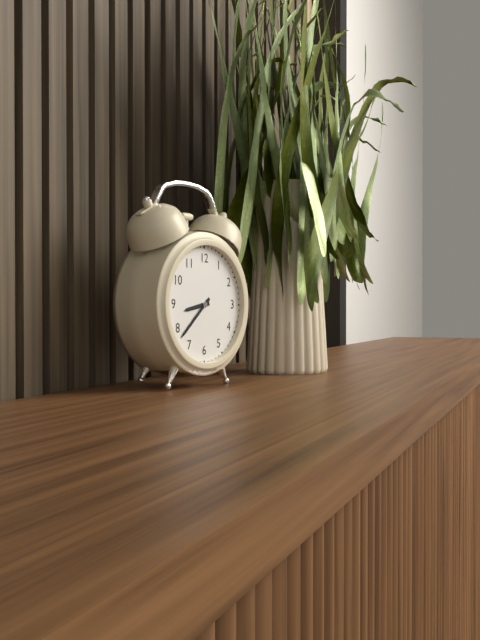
8.38
